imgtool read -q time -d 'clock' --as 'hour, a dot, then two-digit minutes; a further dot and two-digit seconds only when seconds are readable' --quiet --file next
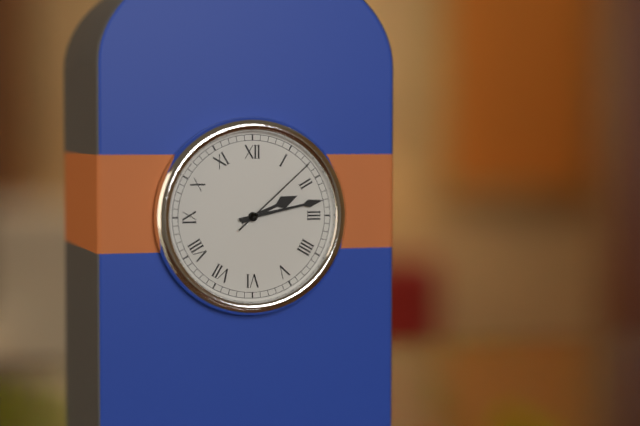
2.13.08
